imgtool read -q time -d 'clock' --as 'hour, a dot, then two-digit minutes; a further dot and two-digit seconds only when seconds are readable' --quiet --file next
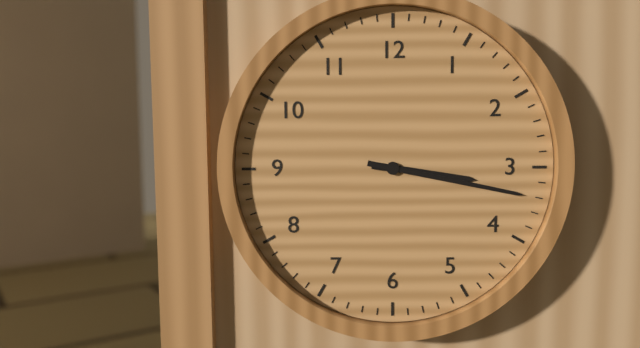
3.17
